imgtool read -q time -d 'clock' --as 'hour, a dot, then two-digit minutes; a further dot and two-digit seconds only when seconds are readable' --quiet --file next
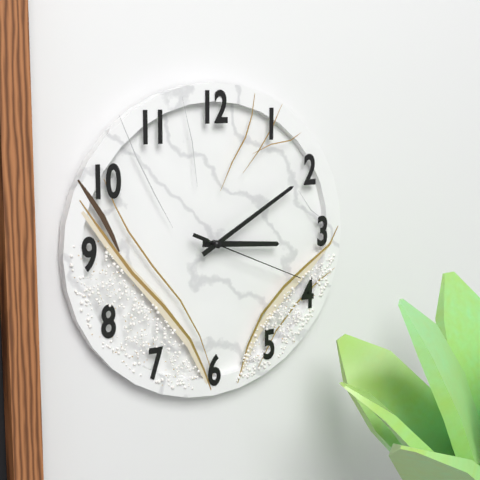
3.10.19
